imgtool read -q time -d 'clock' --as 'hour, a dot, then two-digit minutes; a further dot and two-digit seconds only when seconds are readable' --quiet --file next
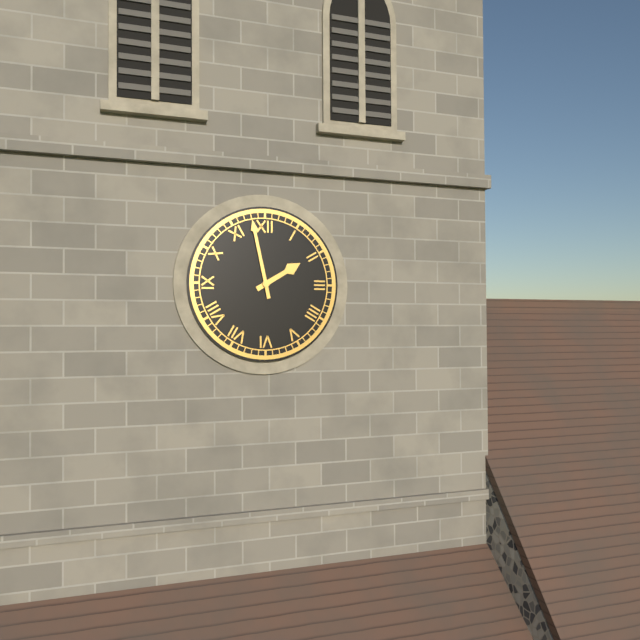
1.58
